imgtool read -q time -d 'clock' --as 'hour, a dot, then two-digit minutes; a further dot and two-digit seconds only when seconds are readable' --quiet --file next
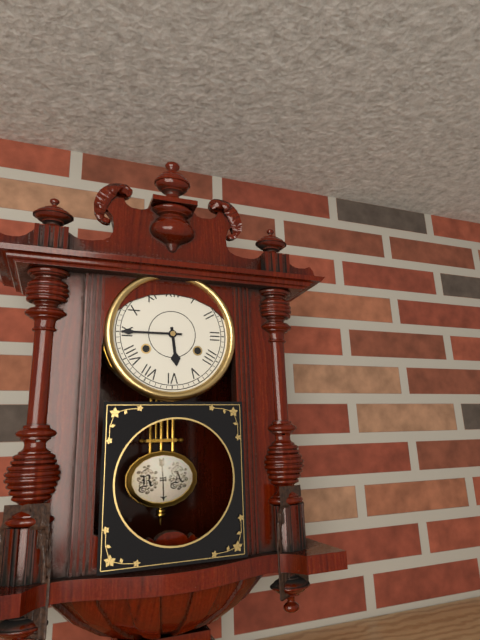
5.45
